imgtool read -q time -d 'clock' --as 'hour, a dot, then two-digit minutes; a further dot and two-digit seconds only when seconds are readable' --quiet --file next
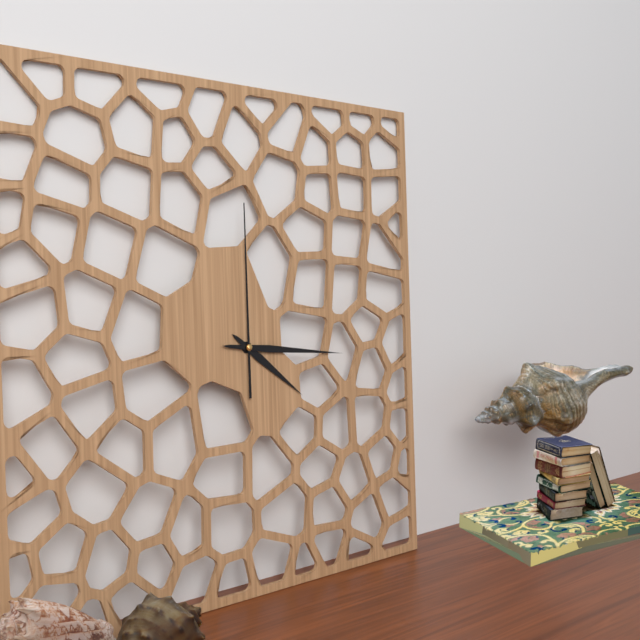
4.16.00
